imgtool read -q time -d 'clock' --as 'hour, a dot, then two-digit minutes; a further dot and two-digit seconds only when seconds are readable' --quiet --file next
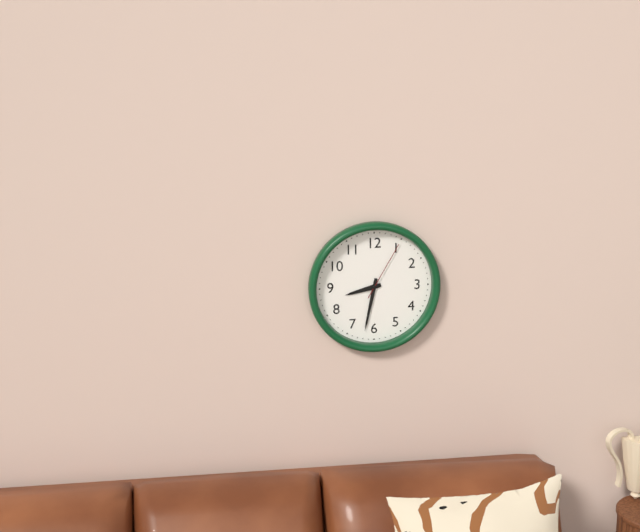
8.32.05
